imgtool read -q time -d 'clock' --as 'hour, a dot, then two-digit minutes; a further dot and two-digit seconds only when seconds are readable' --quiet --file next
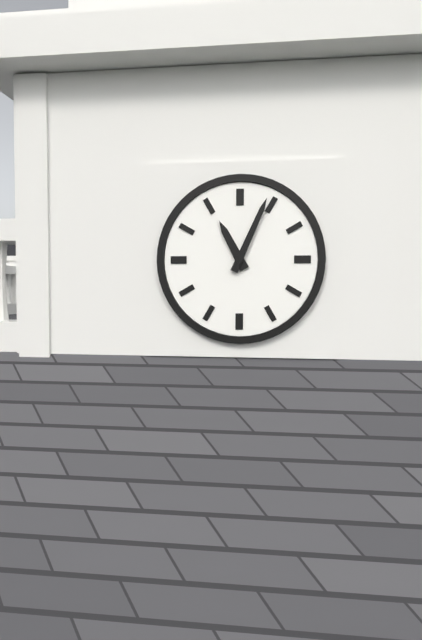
11.04
